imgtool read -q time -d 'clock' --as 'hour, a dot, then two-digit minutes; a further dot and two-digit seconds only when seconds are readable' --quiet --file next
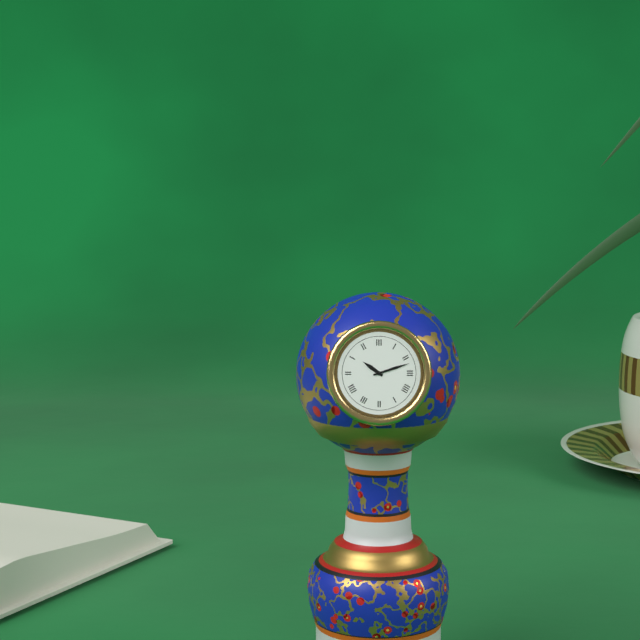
10.12
